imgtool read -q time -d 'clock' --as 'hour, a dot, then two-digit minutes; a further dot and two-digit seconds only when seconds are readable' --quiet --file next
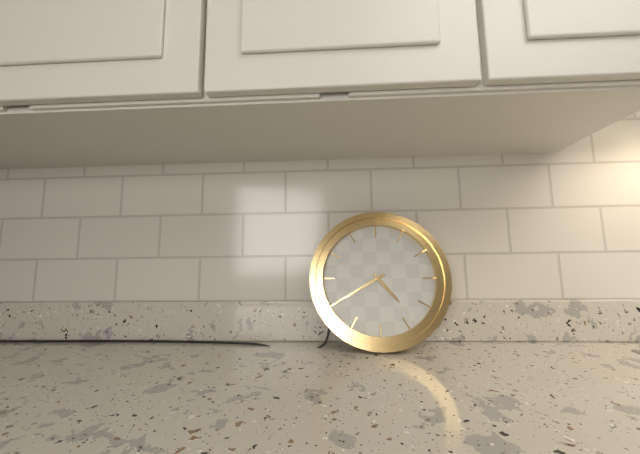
4.40
